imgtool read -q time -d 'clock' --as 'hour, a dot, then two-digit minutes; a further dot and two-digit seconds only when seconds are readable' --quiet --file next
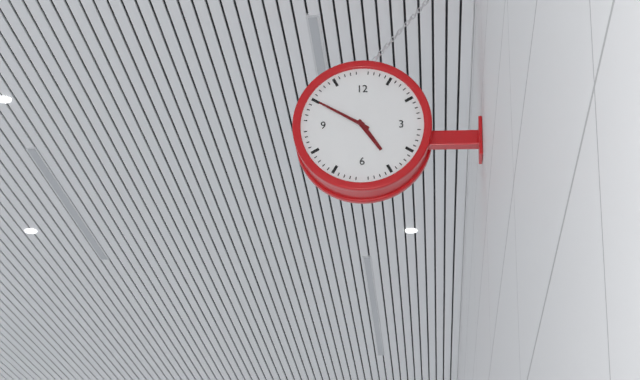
4.50
